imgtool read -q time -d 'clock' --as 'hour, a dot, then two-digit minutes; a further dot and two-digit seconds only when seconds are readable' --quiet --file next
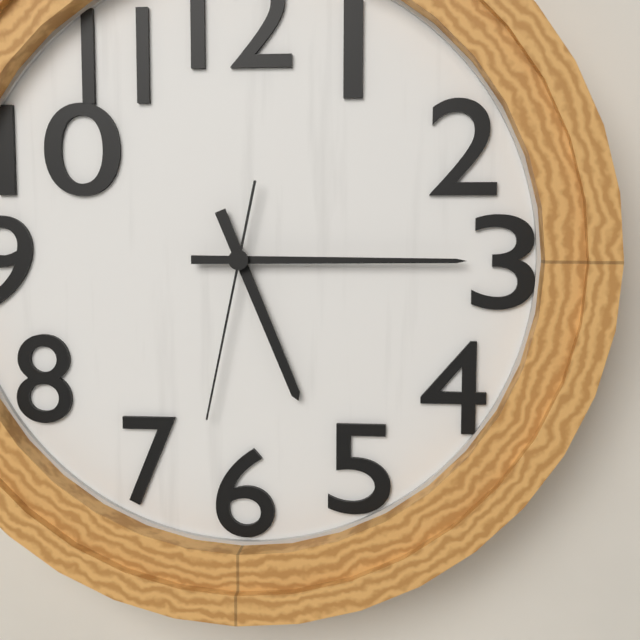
5.15.32
